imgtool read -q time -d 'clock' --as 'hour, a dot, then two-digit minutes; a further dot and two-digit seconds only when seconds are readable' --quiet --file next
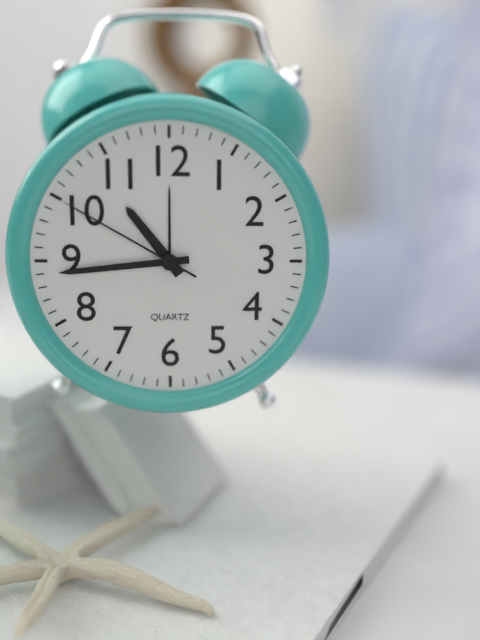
10.44.50
